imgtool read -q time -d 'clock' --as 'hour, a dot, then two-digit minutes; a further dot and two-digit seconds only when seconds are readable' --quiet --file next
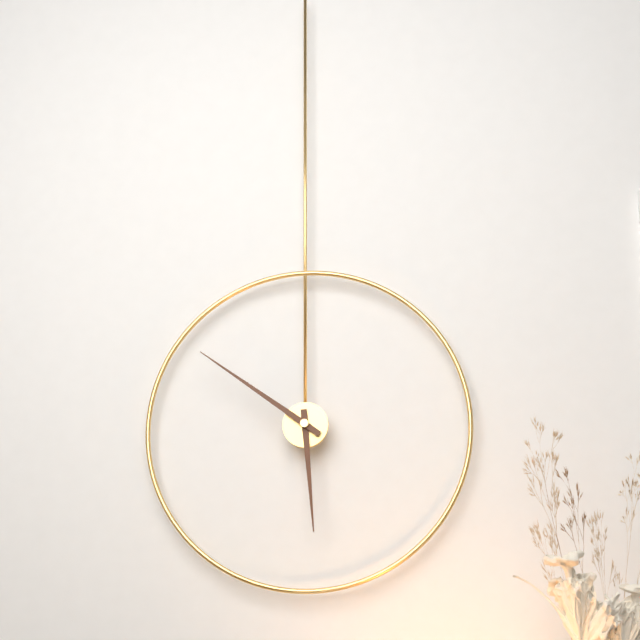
5.51
